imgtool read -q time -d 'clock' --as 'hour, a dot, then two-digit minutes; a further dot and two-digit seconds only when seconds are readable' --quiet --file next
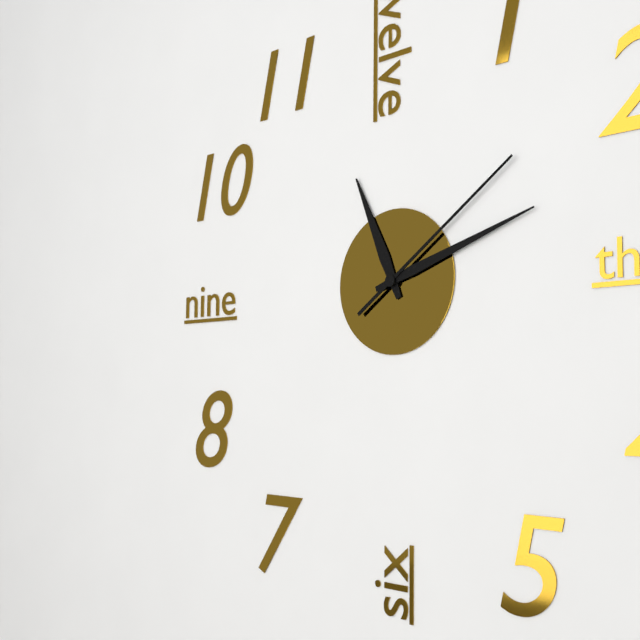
11.12.09
